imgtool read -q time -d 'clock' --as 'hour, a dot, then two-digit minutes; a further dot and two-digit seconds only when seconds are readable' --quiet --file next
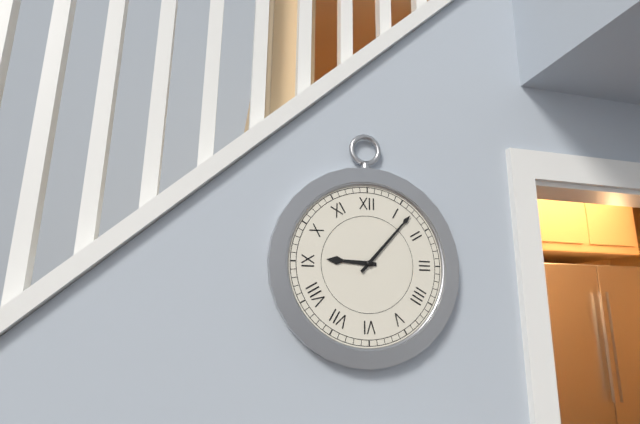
9.07
